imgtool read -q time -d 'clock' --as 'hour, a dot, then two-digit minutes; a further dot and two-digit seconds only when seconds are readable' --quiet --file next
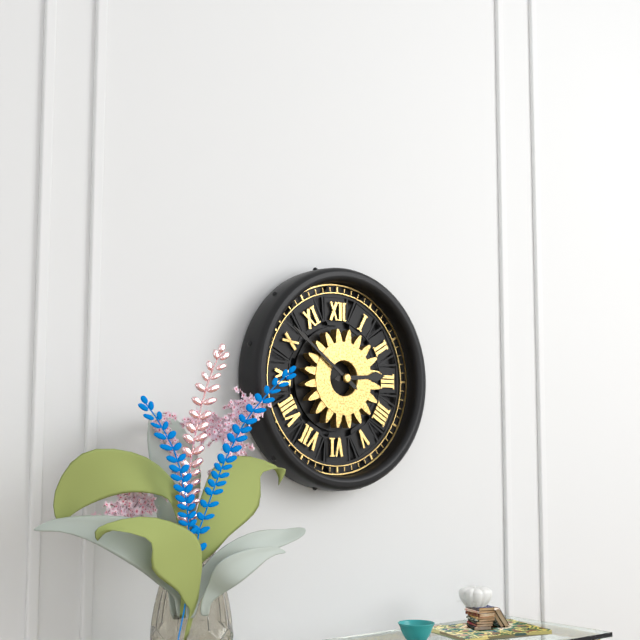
2.51
